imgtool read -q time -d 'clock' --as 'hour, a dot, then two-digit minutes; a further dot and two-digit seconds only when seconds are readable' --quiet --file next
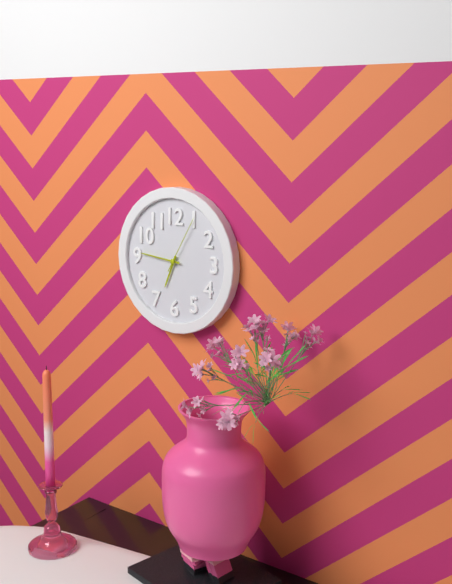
6.46.05
